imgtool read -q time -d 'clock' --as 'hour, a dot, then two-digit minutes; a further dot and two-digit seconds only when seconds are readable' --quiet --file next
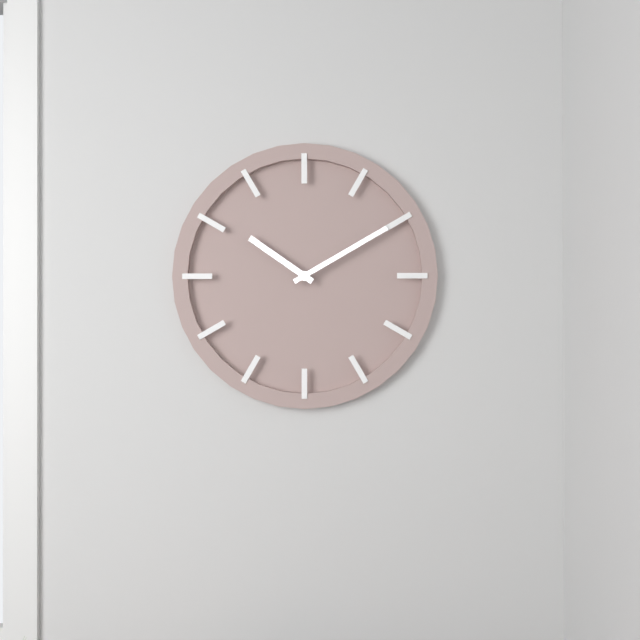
10.10
